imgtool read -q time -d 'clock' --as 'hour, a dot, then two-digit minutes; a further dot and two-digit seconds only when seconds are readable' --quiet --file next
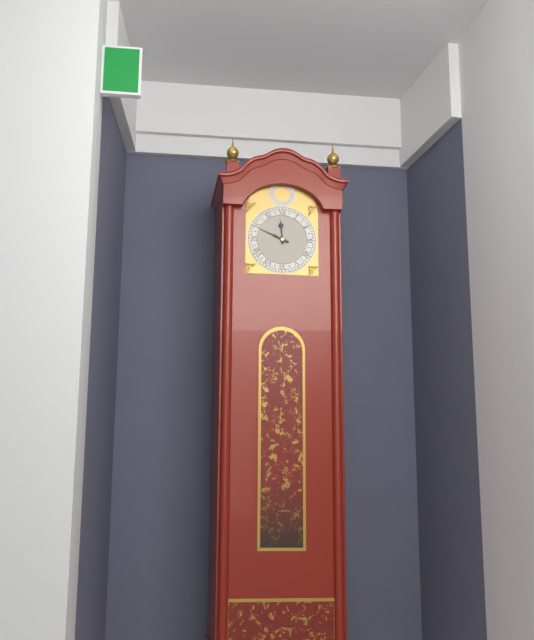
11.49
